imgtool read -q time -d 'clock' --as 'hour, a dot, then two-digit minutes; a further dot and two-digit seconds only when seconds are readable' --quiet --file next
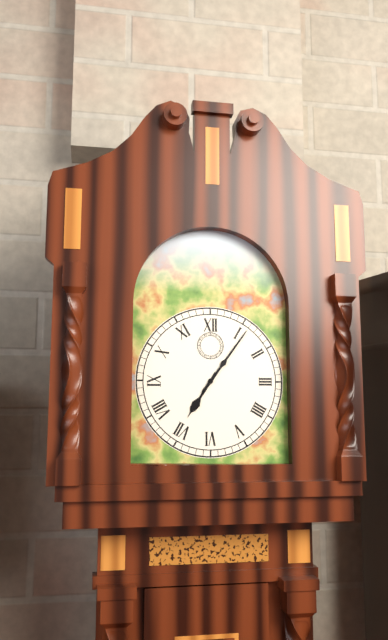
7.06
